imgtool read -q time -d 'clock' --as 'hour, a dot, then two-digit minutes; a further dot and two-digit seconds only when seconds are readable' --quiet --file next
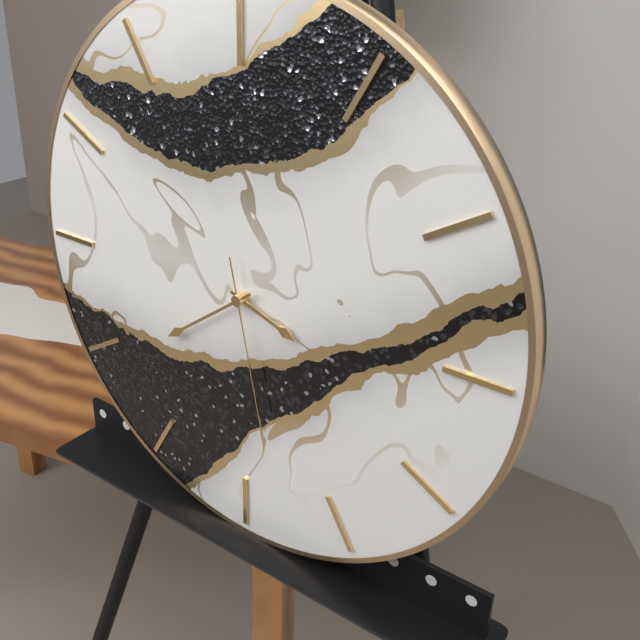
3.39.28
